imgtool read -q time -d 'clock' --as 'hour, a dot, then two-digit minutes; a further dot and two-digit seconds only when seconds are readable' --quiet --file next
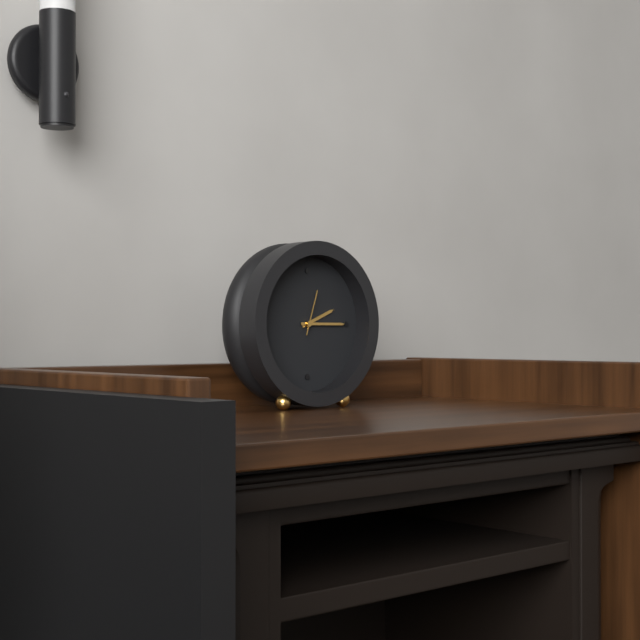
2.15
